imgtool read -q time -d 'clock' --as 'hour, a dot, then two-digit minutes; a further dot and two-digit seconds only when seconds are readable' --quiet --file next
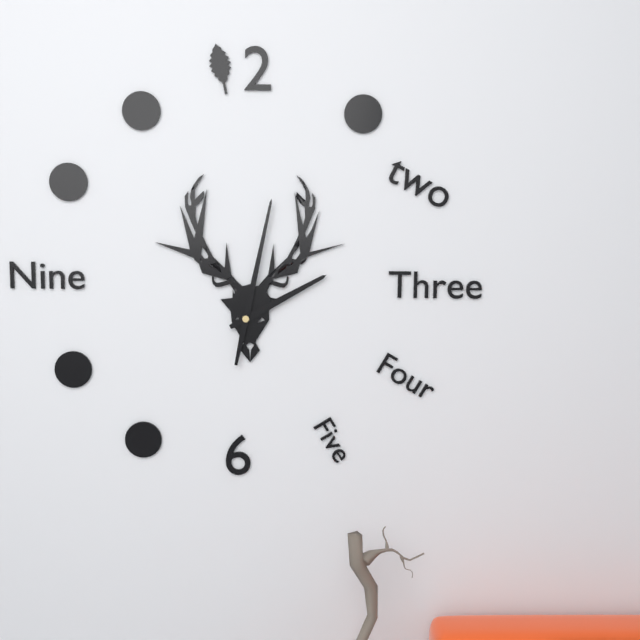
2.02
